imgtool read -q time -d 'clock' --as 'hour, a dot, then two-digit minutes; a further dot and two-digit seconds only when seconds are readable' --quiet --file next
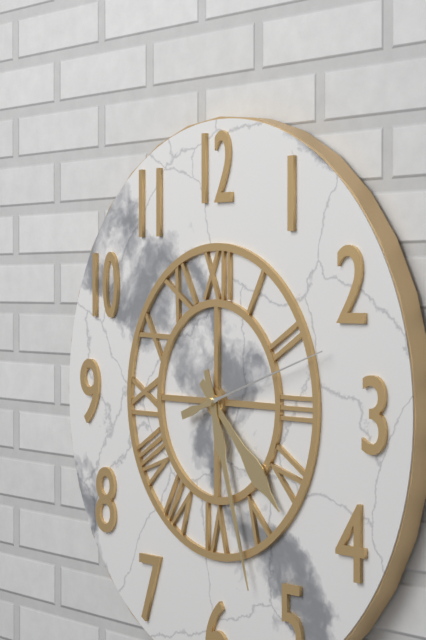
4.27.12
